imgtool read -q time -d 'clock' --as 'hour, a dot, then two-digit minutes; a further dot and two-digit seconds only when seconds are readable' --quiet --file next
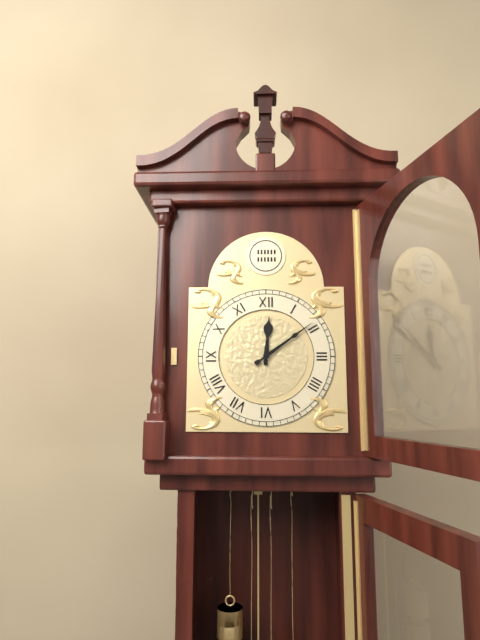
12.09
